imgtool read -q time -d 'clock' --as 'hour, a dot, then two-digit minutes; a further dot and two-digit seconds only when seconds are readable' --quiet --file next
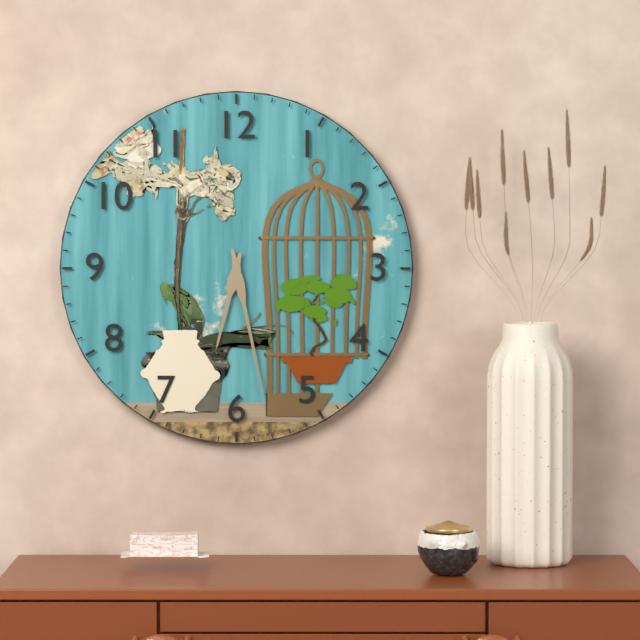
6.28
